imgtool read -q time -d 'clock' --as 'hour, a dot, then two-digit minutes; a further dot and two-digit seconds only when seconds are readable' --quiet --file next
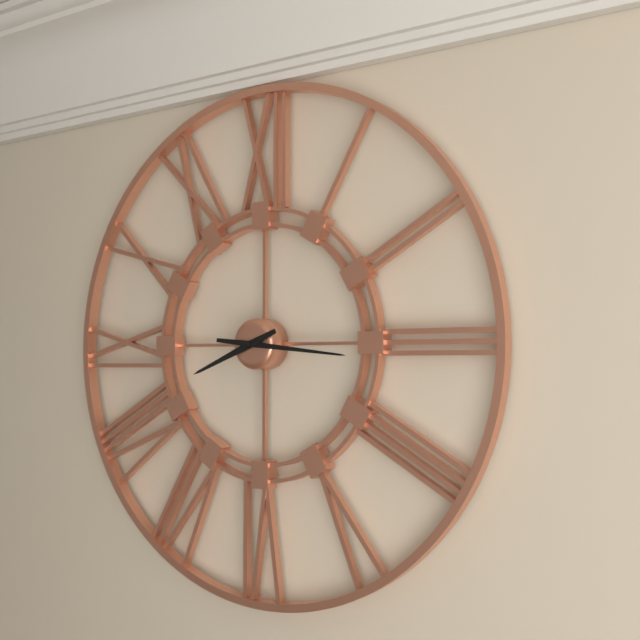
8.16
